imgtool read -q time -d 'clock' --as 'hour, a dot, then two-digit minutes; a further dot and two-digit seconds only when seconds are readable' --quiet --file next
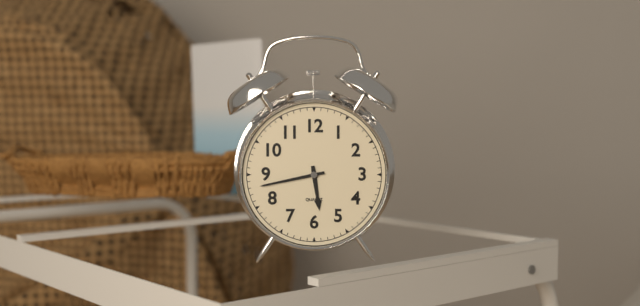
5.43
